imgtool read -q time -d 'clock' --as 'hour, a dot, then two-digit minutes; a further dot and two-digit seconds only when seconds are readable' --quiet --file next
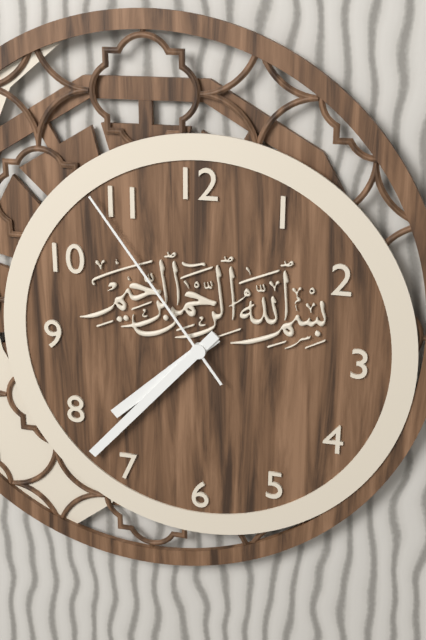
7.37.54
